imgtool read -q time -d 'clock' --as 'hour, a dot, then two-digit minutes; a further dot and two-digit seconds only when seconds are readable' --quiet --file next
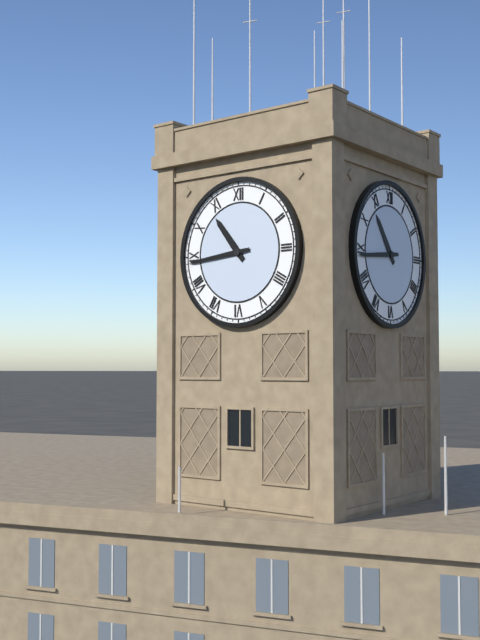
10.44
